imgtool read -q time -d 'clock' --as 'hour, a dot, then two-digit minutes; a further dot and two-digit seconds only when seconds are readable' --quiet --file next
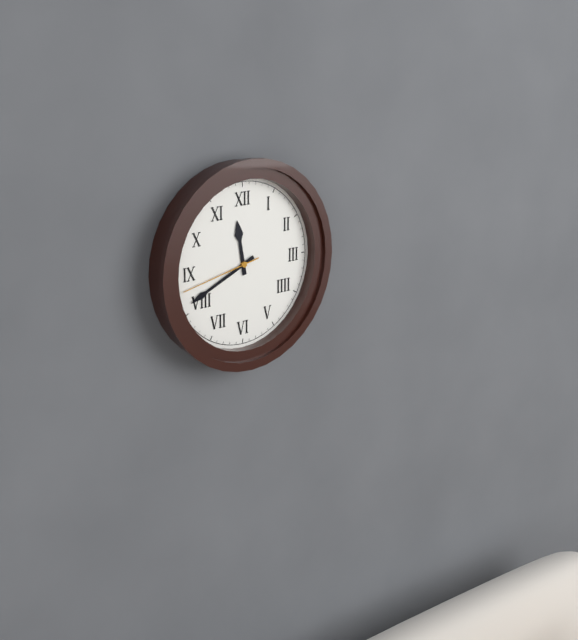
11.41.43
